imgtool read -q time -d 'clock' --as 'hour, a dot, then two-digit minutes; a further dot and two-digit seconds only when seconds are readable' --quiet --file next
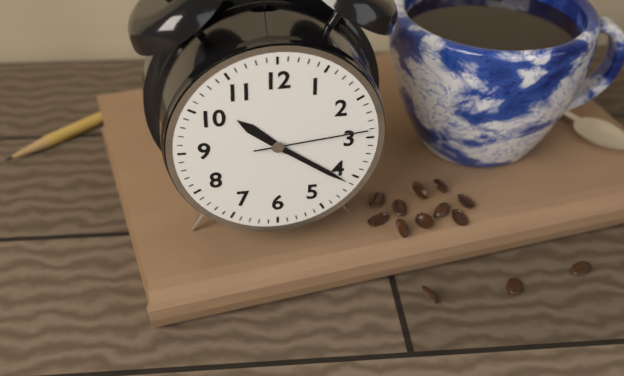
10.21.14
